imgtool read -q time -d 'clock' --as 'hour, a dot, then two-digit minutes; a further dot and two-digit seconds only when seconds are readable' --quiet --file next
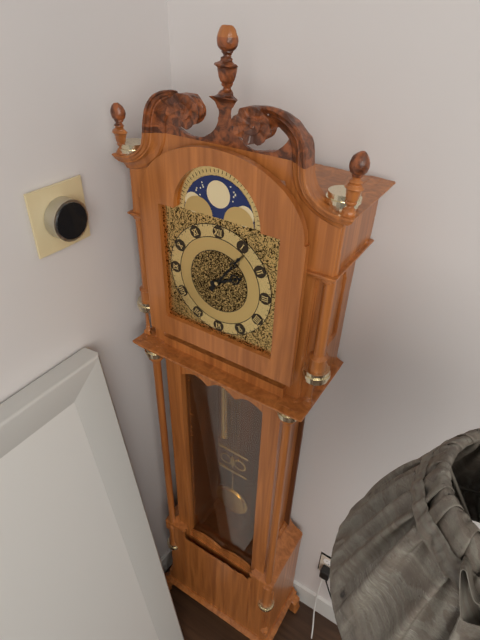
2.06
